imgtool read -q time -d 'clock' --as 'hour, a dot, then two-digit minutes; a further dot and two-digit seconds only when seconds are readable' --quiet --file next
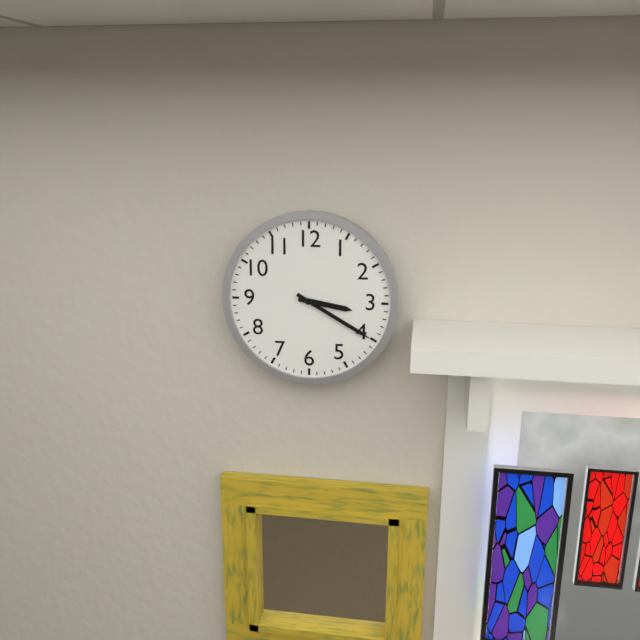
3.20
